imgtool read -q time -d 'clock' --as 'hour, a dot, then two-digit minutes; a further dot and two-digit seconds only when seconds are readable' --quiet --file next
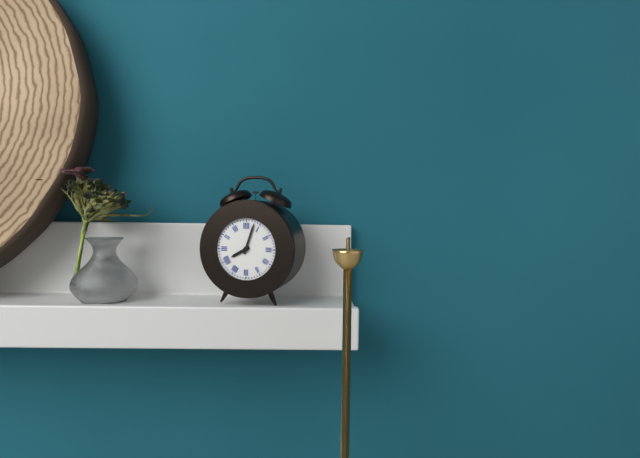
8.03
